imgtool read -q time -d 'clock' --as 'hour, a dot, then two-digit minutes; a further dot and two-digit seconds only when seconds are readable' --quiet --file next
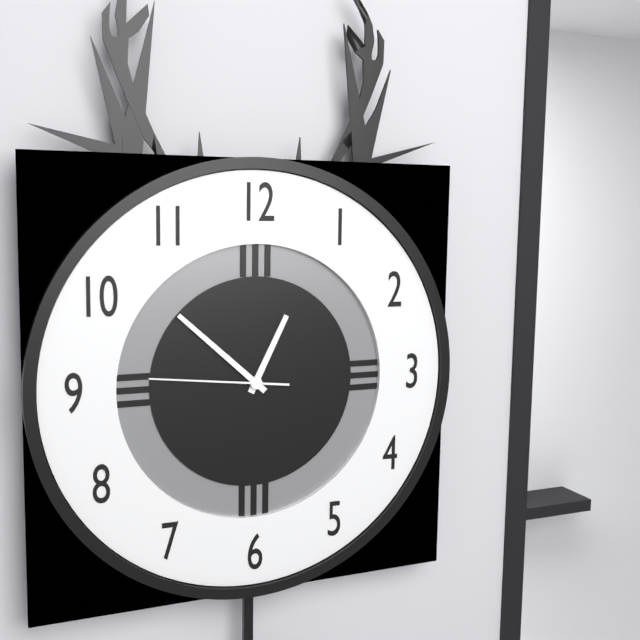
12.52.46
